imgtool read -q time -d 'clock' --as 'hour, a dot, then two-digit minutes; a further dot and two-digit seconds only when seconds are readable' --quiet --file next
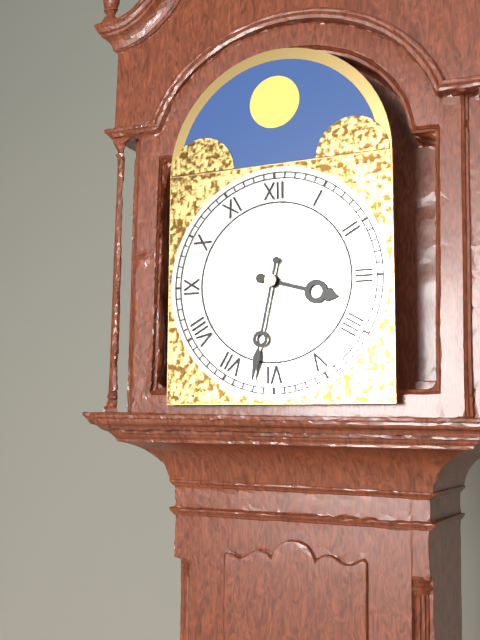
3.32
